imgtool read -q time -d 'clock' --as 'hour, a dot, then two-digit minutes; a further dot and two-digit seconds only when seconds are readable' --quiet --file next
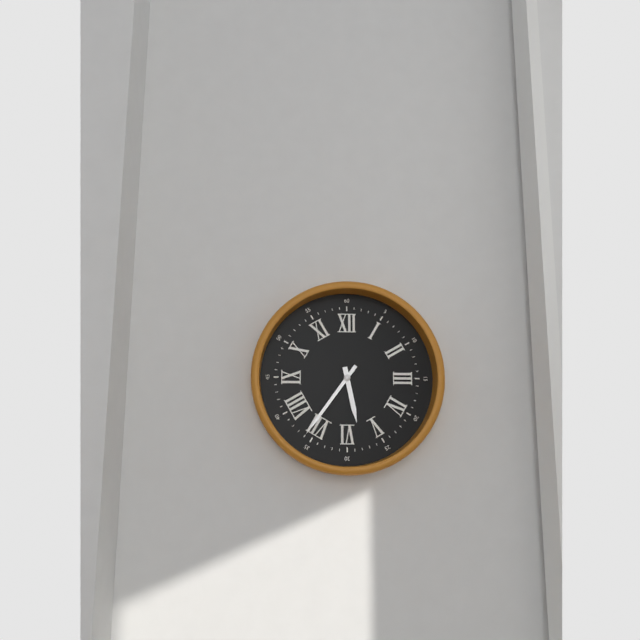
5.36
